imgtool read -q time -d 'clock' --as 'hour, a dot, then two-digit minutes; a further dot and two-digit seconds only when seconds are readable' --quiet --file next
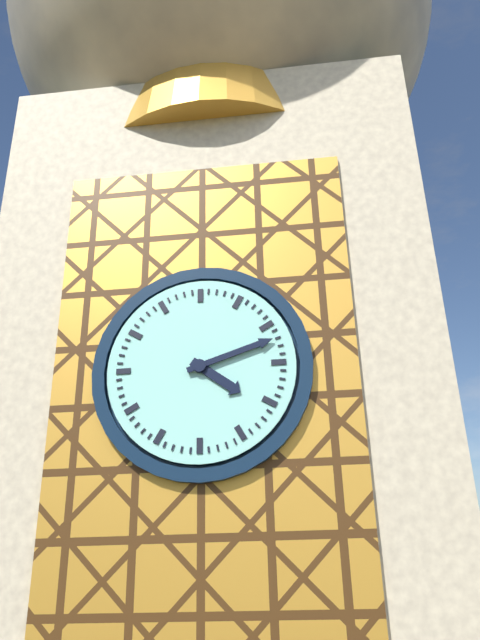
4.12
